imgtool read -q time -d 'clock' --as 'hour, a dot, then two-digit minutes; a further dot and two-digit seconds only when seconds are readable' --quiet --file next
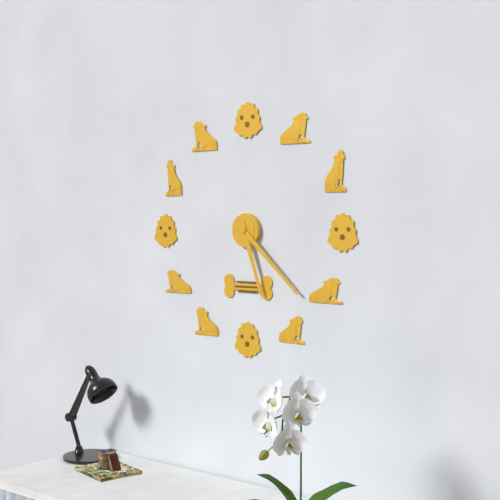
5.22
